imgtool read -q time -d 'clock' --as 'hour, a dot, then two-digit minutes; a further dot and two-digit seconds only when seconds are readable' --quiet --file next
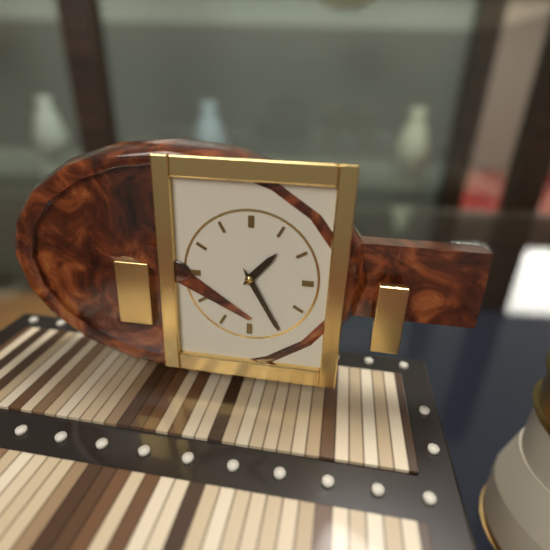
1.25
